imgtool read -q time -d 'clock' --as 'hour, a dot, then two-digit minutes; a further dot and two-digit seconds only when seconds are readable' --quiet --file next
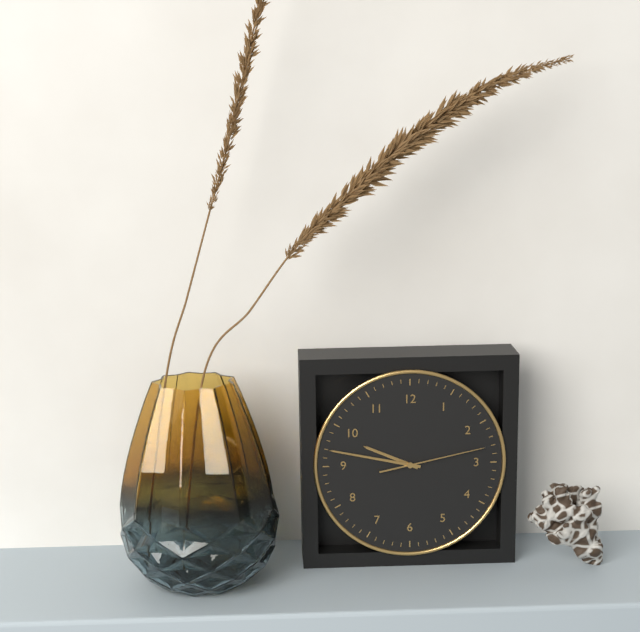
9.47.13
